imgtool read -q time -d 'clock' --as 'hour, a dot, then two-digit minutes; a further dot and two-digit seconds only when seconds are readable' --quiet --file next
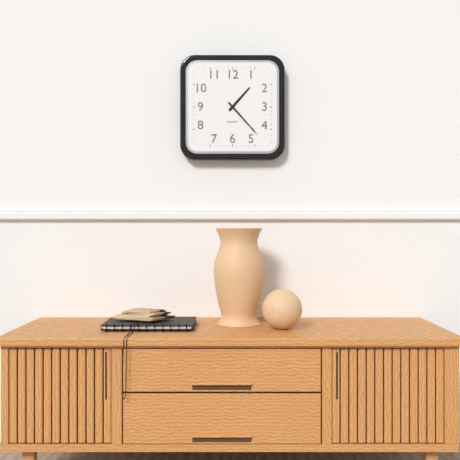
1.23
